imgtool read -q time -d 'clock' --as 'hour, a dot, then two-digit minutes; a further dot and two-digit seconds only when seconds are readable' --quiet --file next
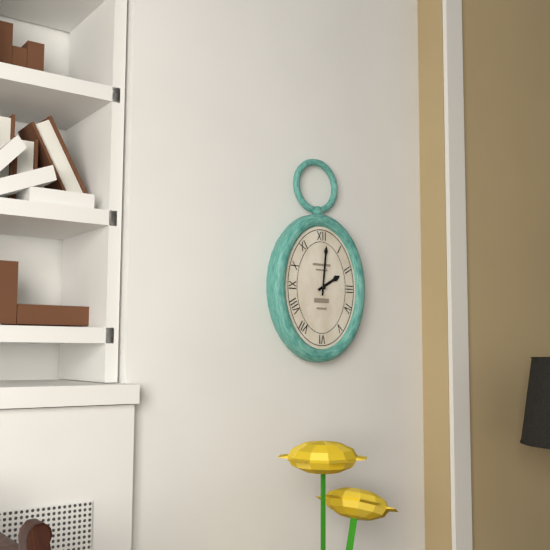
2.01
